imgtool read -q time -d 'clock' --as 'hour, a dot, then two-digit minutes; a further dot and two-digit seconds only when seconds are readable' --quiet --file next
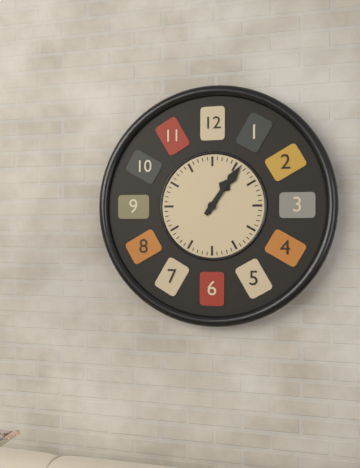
1.06
